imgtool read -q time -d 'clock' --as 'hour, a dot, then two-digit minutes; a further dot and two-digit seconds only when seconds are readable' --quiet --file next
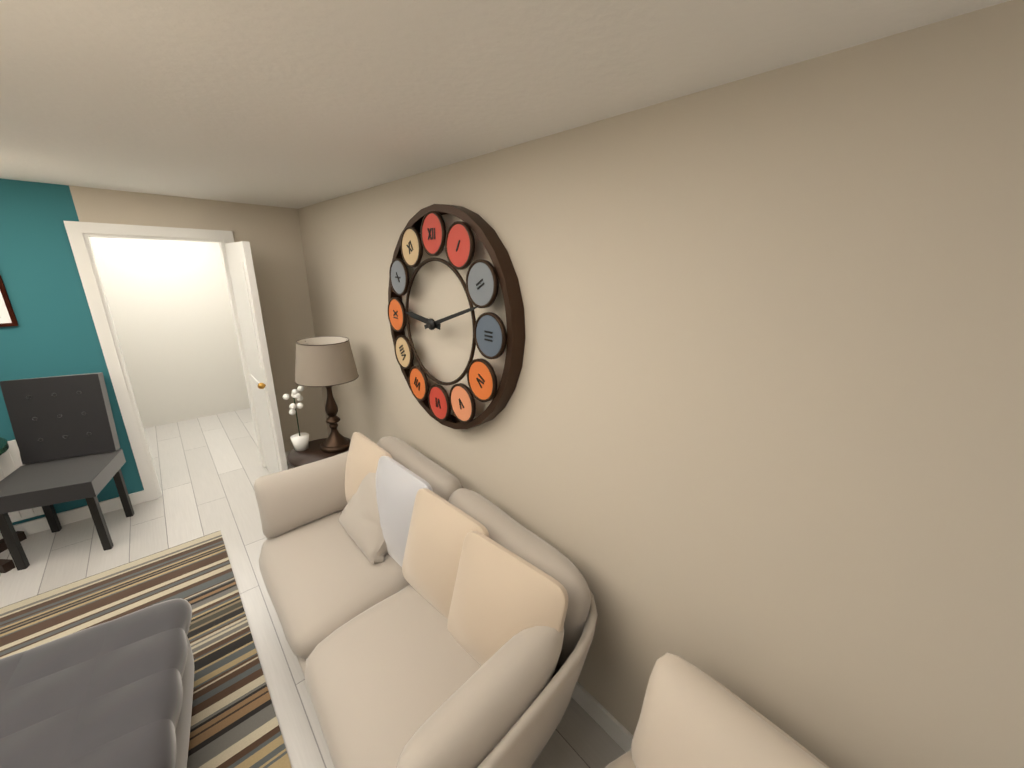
9.12
